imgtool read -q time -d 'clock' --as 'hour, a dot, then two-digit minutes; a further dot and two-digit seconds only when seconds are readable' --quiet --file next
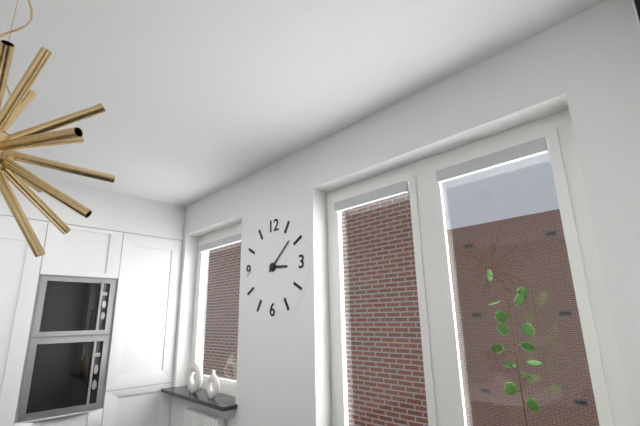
3.08
